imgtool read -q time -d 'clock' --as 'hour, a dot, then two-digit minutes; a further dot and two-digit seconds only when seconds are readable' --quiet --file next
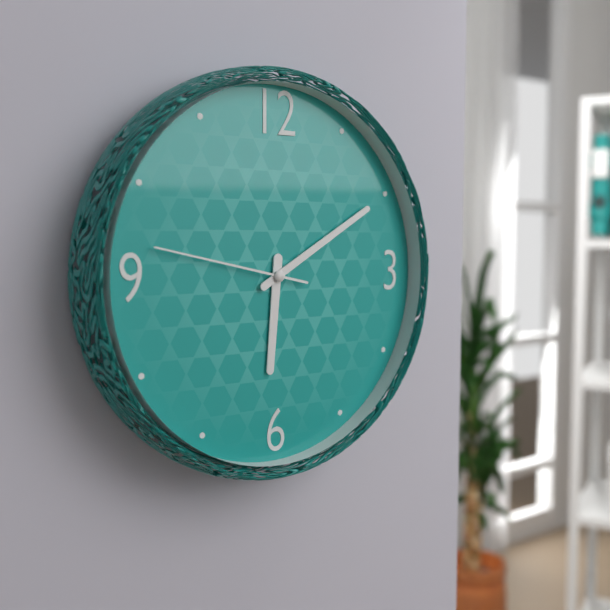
6.10.47
